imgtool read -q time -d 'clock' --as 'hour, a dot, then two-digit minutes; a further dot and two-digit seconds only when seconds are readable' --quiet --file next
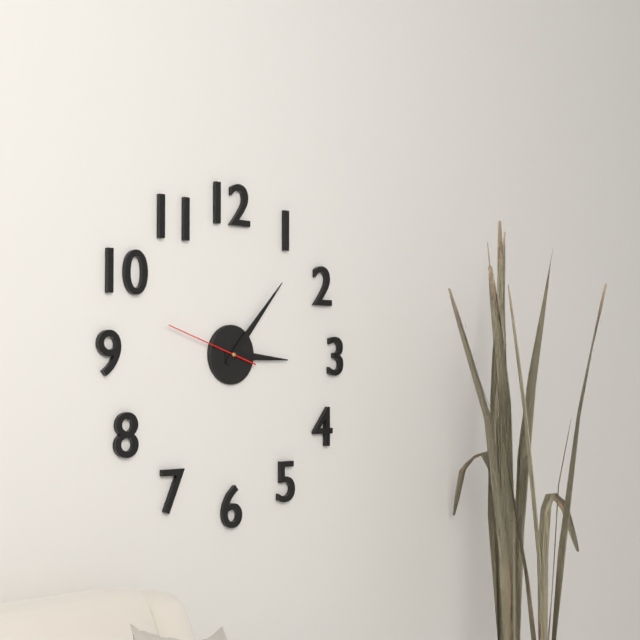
3.07.48
